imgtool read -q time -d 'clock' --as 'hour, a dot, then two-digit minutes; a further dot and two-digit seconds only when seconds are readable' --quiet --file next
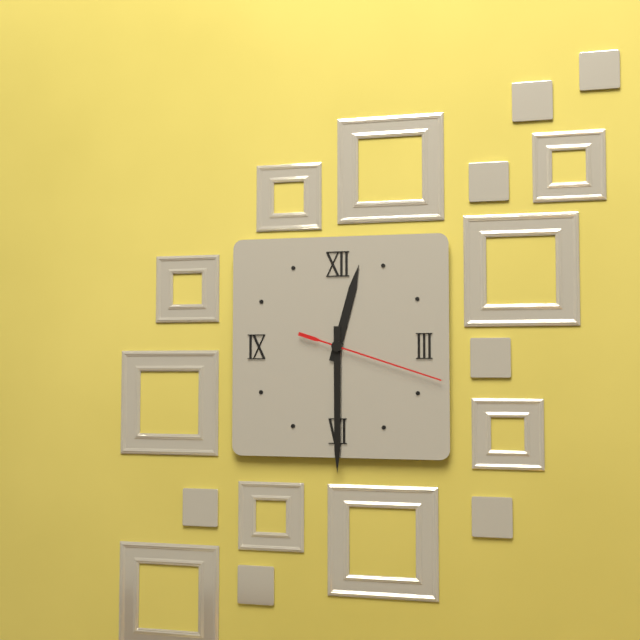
12.30.18
